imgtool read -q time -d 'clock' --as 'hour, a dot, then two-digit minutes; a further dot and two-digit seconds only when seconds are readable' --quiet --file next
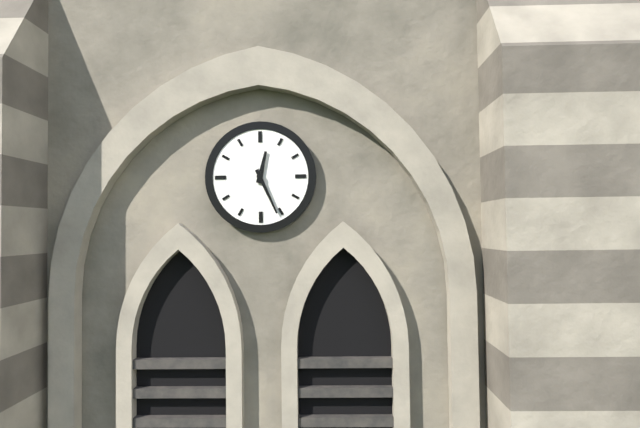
12.26
